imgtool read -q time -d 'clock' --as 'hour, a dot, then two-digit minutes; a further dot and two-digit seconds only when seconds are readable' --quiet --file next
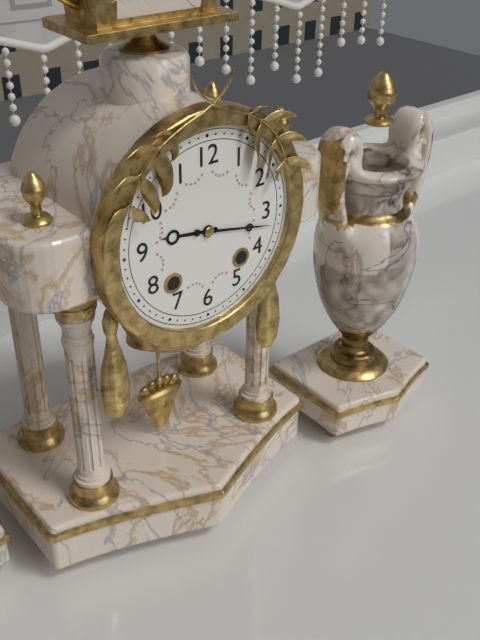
9.17
